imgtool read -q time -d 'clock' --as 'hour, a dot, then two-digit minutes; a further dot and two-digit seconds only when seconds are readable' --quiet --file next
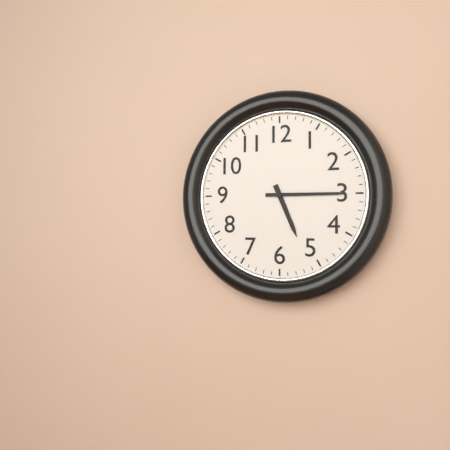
5.15
